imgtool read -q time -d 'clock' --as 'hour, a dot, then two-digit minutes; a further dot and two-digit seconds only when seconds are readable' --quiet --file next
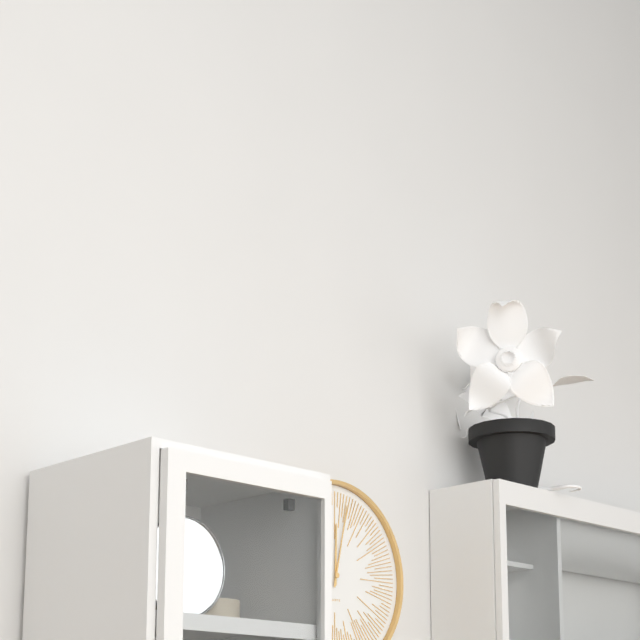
12.02
